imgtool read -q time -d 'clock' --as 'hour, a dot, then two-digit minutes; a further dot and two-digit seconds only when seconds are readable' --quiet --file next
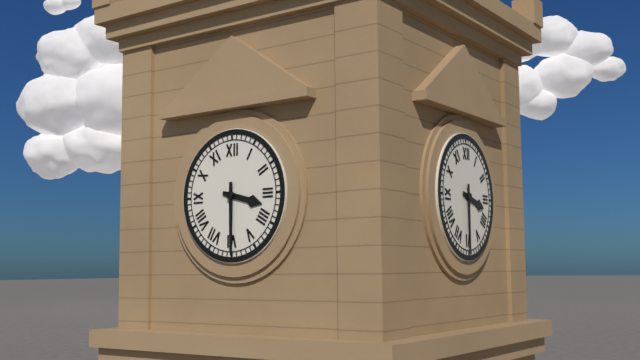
3.30
